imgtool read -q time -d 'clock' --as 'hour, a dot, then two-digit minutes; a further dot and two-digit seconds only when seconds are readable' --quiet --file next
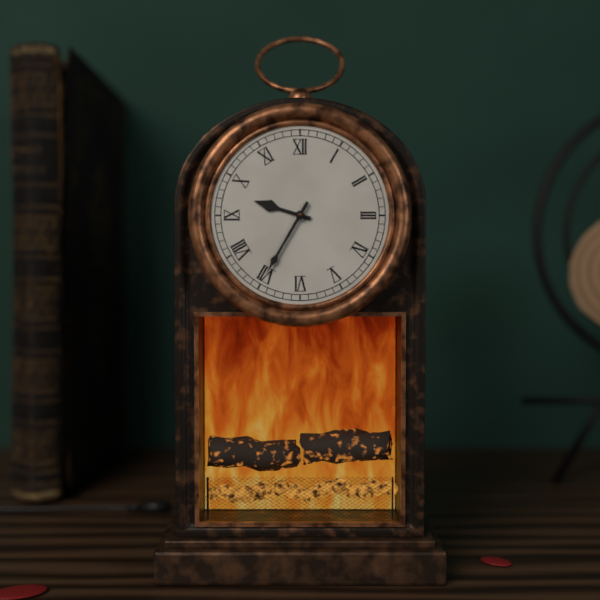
9.35
